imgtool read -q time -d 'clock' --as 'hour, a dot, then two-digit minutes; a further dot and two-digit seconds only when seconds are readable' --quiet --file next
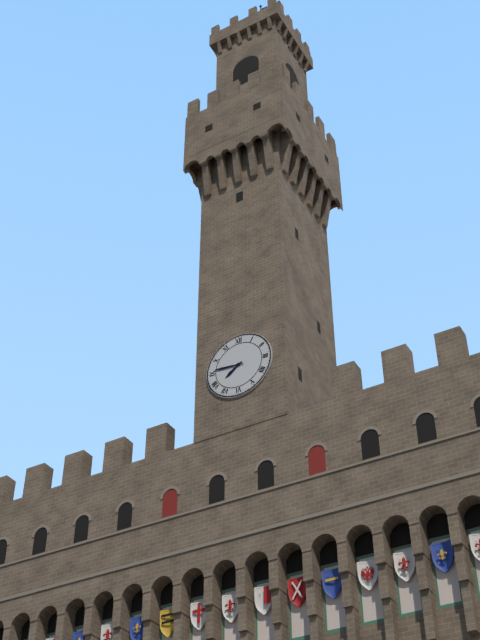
7.46
